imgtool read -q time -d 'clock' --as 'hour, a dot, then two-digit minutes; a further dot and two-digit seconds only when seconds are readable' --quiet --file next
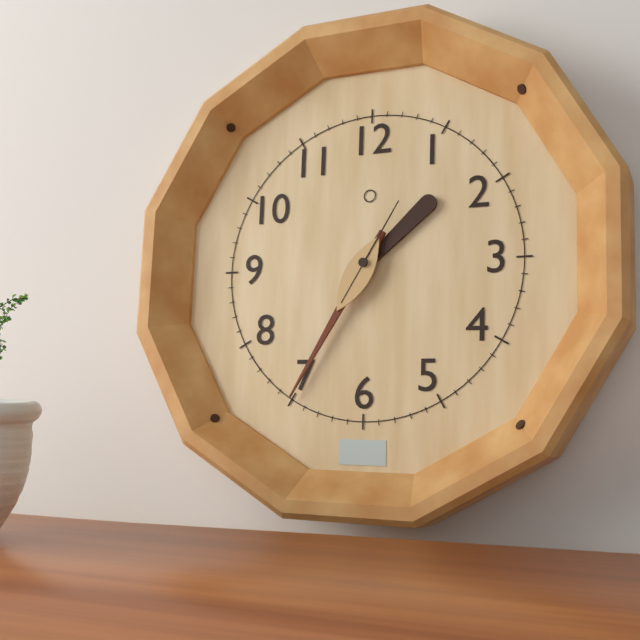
1.35.05
